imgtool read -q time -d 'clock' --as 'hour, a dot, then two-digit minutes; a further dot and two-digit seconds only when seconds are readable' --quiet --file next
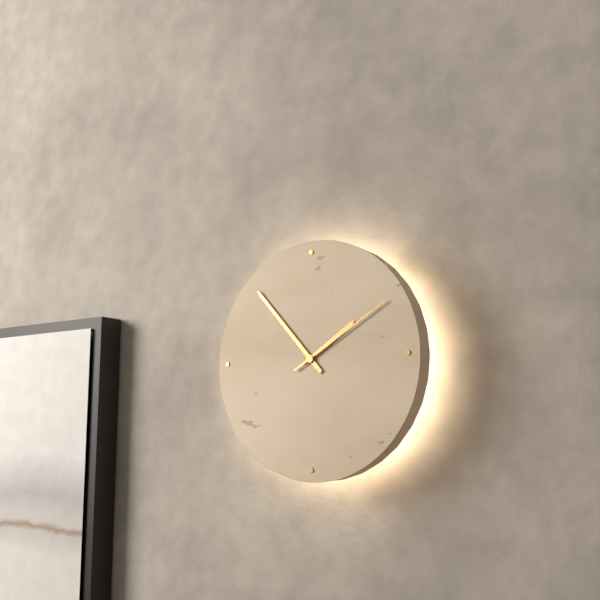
1.53.10
